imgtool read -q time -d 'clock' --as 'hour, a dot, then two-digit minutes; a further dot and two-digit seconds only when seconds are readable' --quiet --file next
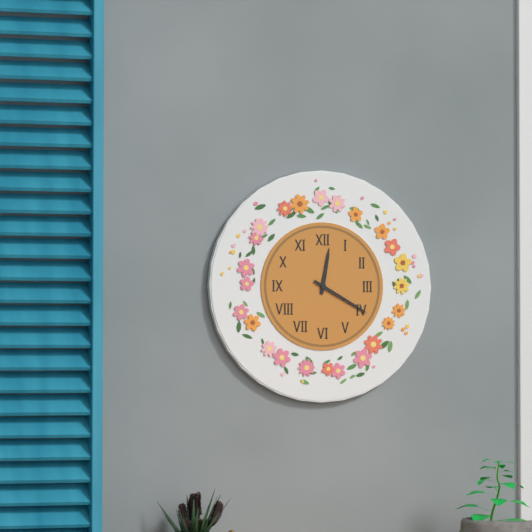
12.20
